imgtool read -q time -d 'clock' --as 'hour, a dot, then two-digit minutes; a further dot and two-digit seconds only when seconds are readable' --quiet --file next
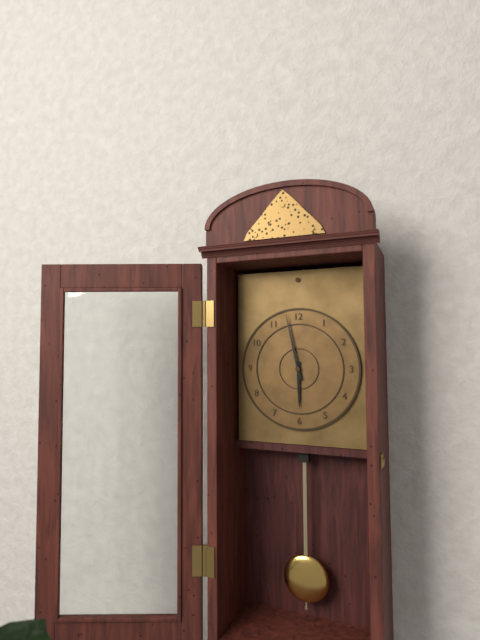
5.58
